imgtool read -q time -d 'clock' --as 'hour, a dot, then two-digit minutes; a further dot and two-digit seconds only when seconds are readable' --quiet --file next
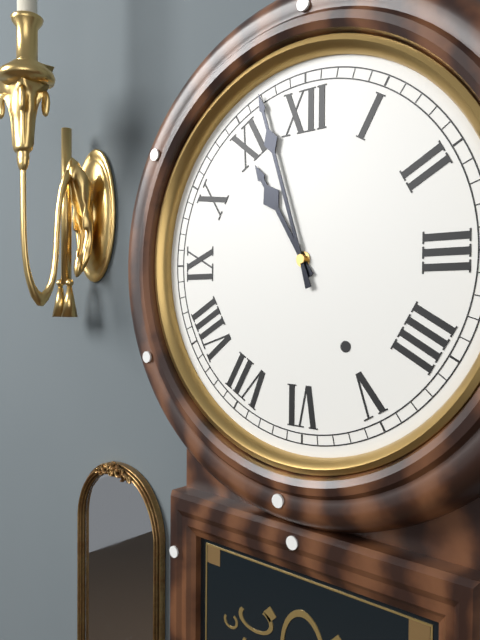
10.57
